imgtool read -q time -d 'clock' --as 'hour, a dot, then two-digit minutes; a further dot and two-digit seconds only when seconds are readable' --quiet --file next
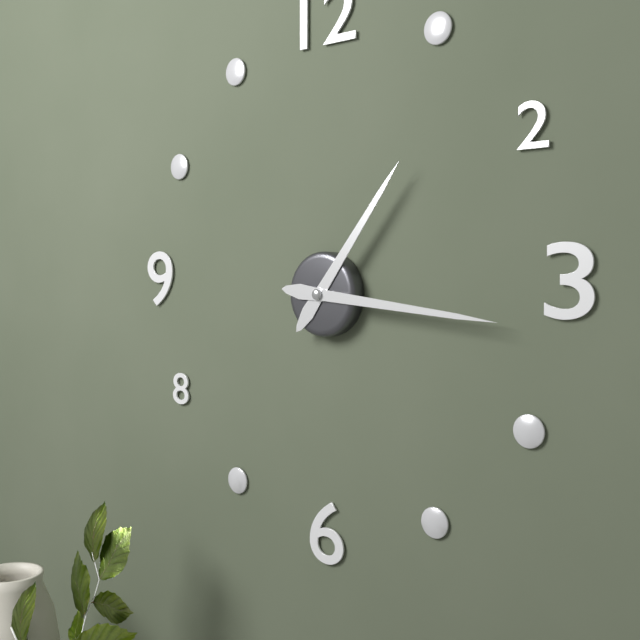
1.16
